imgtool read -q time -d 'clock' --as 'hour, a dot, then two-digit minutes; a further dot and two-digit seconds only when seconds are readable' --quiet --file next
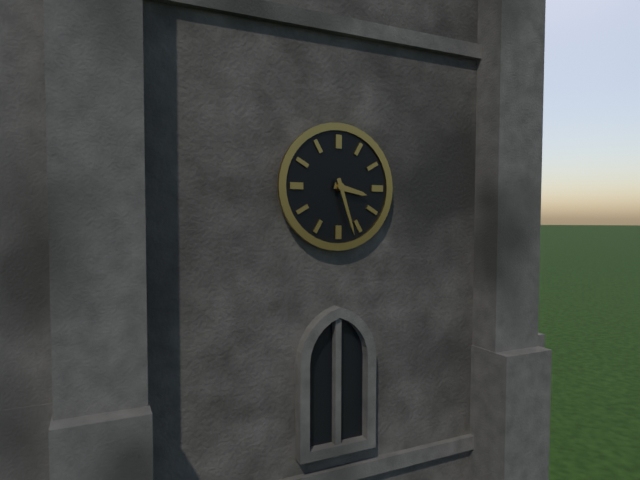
3.27
